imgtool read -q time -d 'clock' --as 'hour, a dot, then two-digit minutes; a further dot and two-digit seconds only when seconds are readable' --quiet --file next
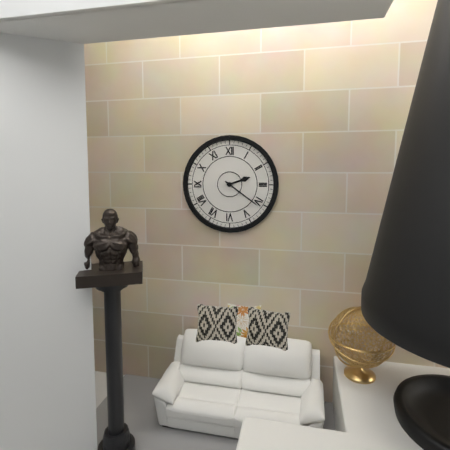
2.21
